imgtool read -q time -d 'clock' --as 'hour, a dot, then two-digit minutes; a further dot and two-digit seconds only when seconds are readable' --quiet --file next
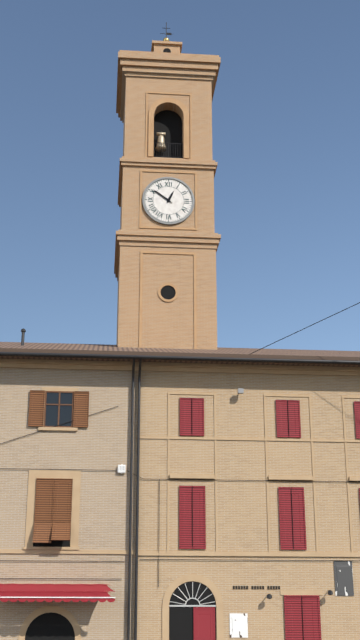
12.51
